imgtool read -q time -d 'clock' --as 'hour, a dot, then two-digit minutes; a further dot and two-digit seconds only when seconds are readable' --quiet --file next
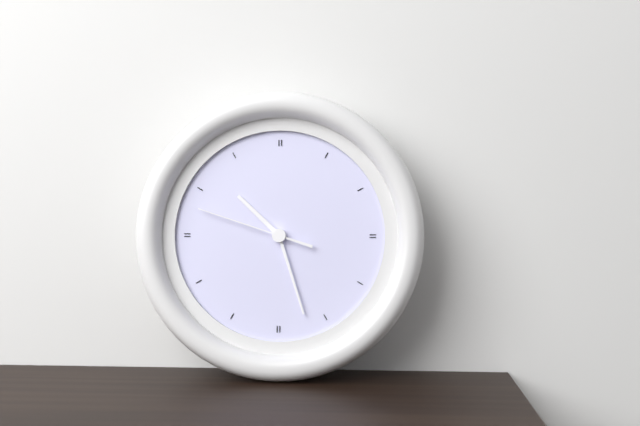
10.27.48
